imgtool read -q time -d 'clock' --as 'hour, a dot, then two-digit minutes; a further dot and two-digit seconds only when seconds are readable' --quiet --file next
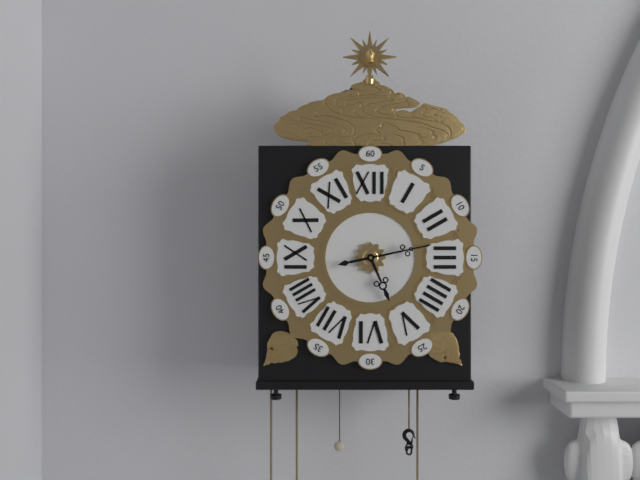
5.13
